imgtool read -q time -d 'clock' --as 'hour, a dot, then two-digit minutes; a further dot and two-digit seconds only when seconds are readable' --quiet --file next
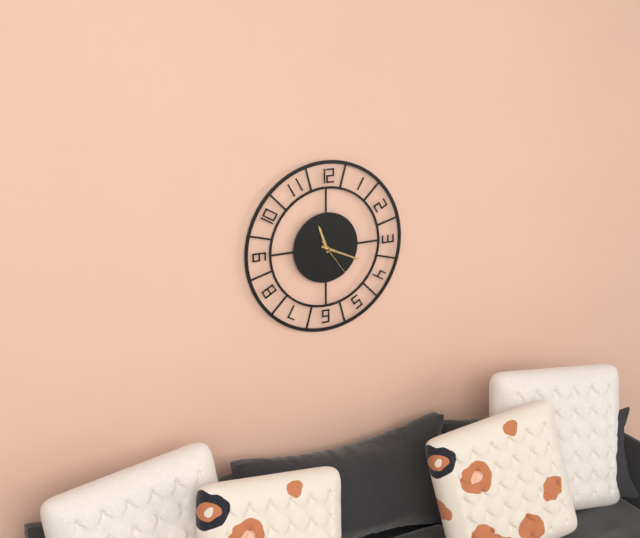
11.19
